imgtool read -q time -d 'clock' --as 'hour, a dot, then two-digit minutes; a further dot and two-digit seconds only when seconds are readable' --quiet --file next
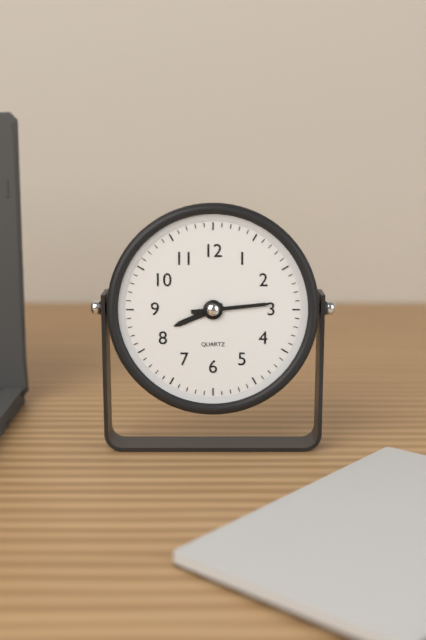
8.14
